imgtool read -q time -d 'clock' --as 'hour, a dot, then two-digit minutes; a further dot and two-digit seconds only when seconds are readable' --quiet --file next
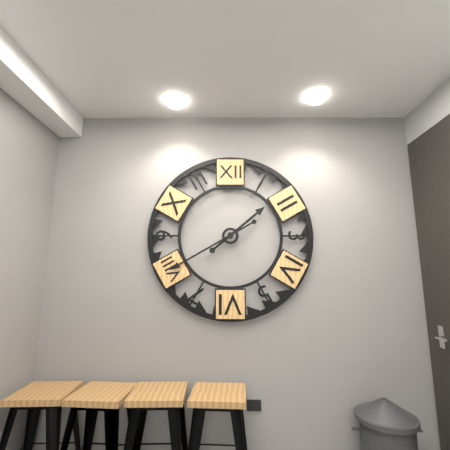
1.40
